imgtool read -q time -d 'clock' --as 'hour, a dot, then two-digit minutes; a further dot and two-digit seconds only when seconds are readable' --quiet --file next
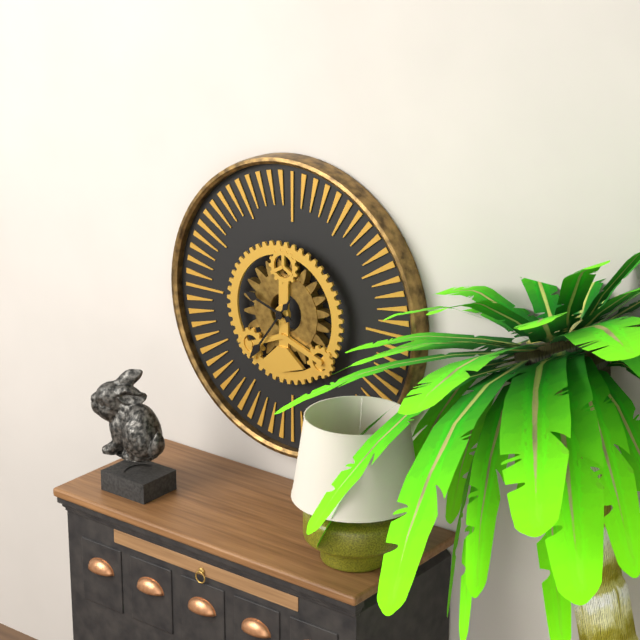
9.36
